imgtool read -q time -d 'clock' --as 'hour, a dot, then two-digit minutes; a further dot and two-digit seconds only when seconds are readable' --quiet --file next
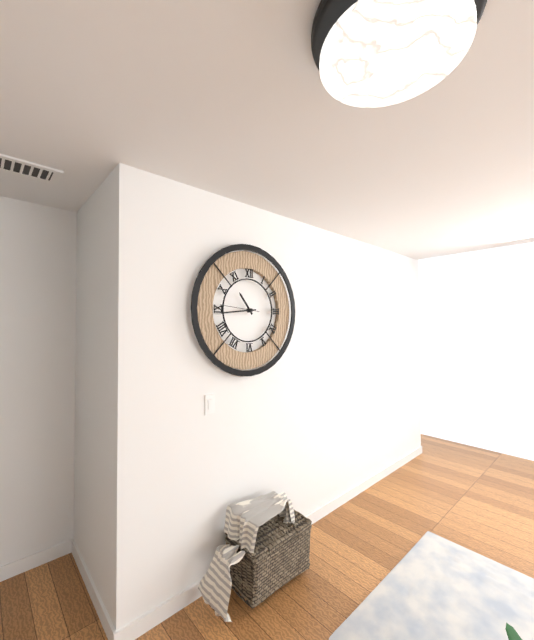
10.44
